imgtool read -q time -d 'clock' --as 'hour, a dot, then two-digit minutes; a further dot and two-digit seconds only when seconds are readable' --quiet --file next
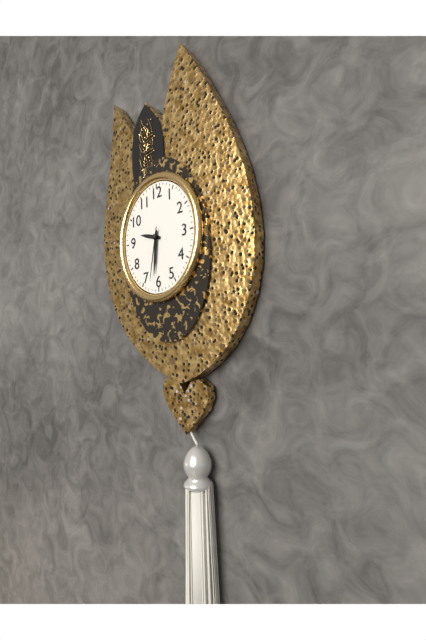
9.31.32
